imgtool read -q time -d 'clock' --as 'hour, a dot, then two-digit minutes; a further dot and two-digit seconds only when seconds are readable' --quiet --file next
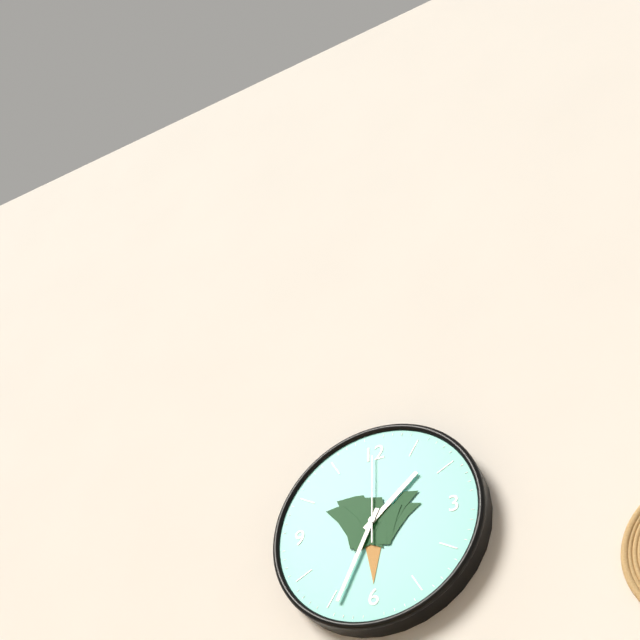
1.34.00
